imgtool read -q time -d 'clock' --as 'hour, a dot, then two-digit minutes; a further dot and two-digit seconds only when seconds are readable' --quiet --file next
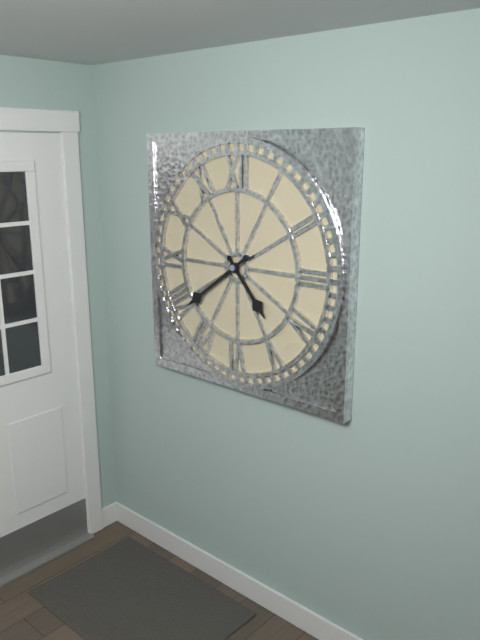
4.39
